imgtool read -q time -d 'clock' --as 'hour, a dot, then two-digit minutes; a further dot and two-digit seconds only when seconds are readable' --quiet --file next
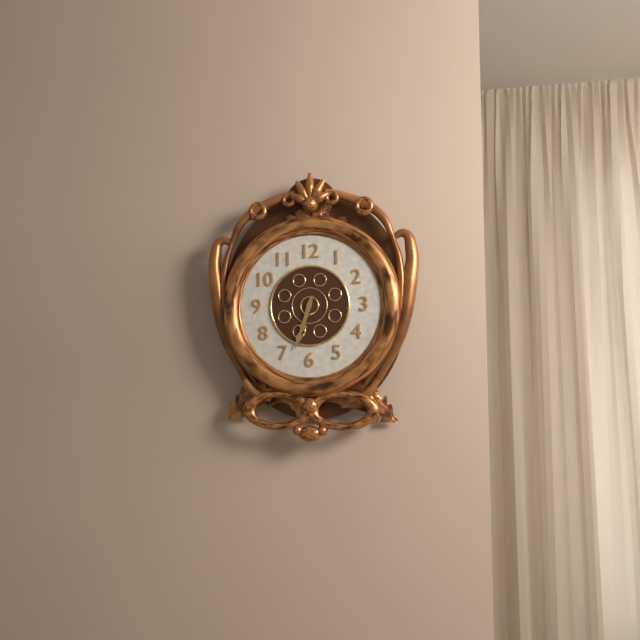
6.33
